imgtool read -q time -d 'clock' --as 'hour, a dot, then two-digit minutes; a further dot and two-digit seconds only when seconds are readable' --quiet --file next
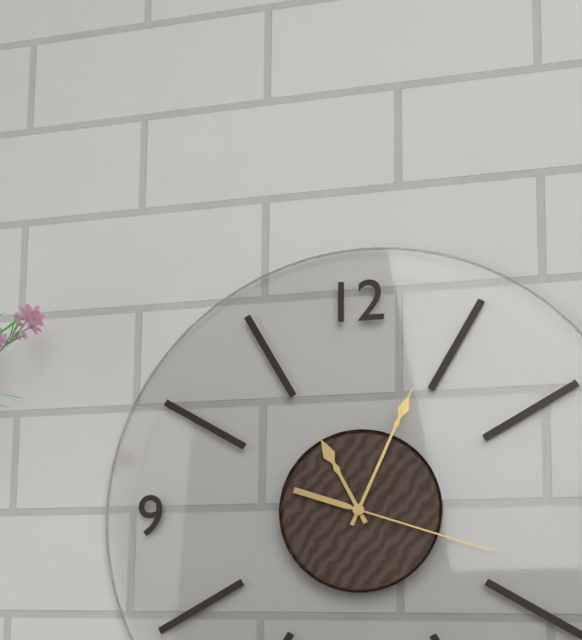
11.04.18
